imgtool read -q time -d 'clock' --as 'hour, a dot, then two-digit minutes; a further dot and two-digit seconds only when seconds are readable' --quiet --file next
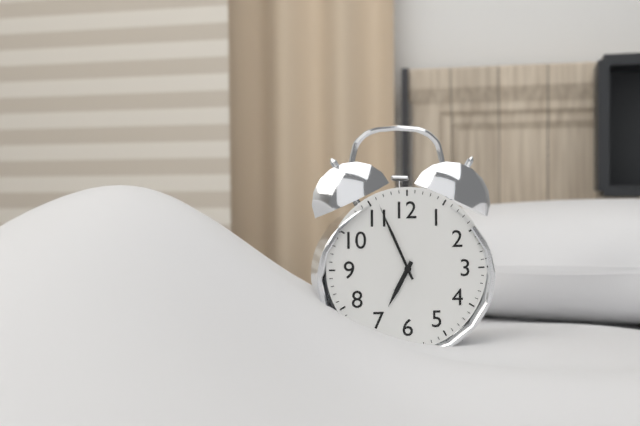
6.56
